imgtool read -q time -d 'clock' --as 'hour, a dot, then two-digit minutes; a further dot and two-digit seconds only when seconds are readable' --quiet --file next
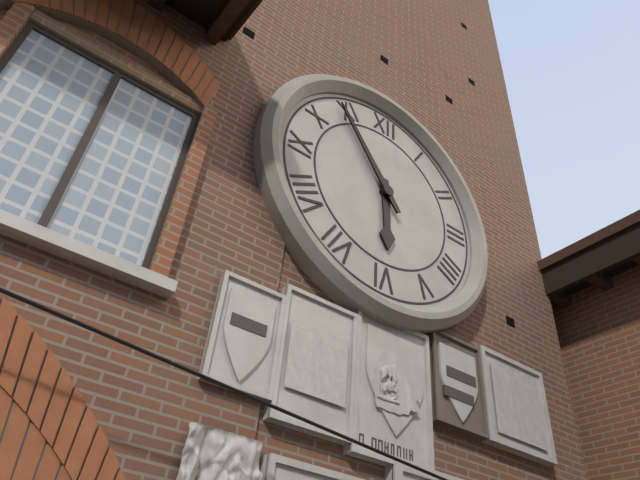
5.54
